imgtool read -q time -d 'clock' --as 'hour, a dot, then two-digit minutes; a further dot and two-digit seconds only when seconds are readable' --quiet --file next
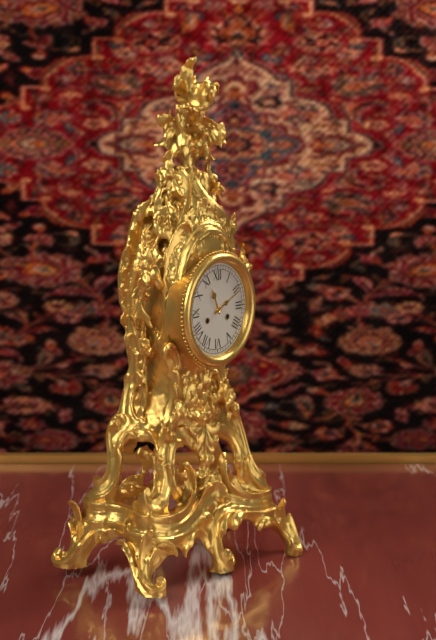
11.11
